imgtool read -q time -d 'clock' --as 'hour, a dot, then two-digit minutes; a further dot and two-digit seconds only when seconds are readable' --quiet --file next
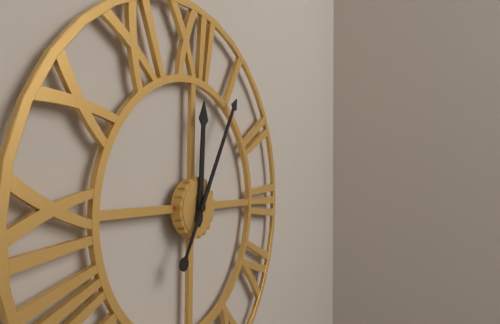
12.05
